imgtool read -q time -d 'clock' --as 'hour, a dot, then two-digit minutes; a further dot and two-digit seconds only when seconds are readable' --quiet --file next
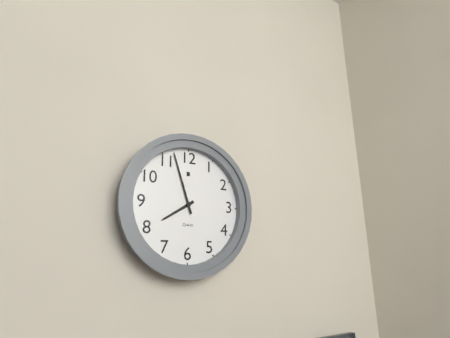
7.57
